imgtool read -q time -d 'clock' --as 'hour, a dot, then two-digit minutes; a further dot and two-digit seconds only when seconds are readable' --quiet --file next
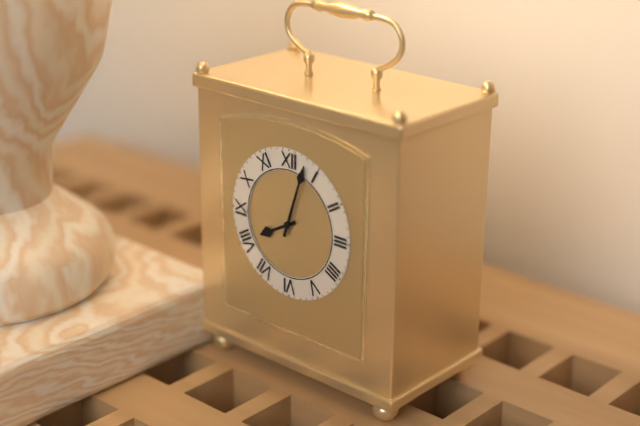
8.03
